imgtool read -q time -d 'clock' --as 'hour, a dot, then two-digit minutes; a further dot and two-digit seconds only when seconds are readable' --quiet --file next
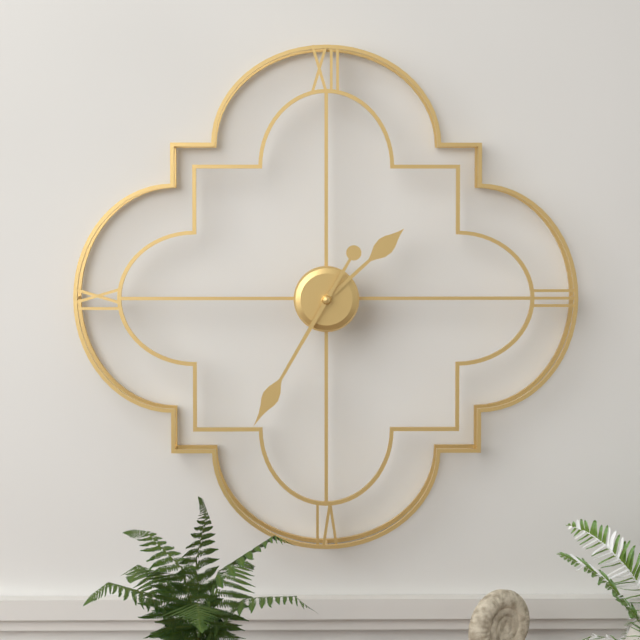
1.35
